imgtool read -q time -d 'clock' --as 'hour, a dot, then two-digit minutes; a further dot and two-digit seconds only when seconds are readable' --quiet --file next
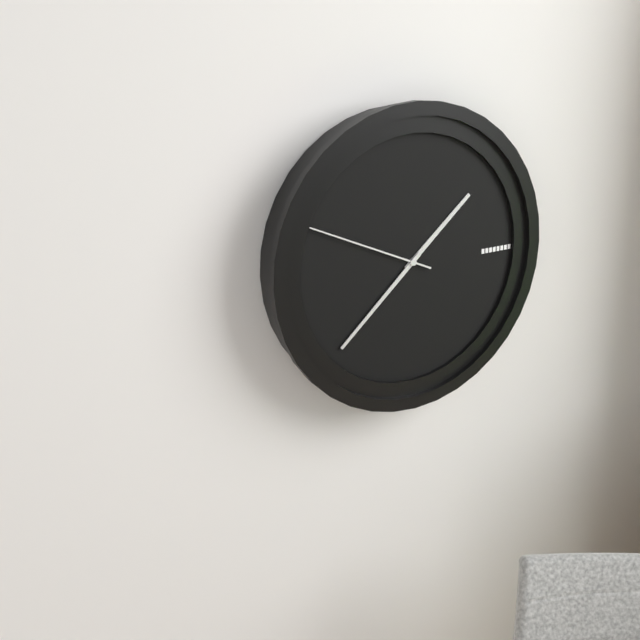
1.38.49
